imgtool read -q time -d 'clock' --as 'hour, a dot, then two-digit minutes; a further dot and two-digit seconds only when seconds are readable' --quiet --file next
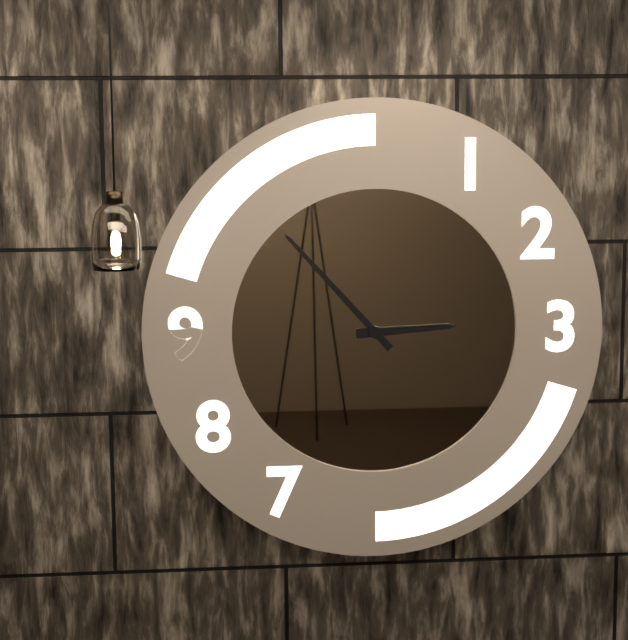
2.53
